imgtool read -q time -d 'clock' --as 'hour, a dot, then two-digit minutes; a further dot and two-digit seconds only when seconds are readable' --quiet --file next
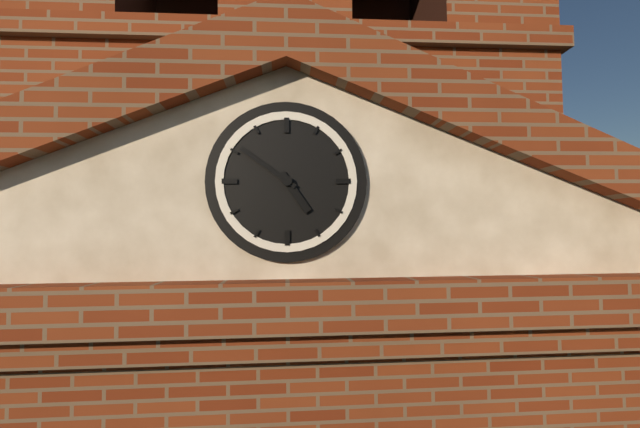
4.51
